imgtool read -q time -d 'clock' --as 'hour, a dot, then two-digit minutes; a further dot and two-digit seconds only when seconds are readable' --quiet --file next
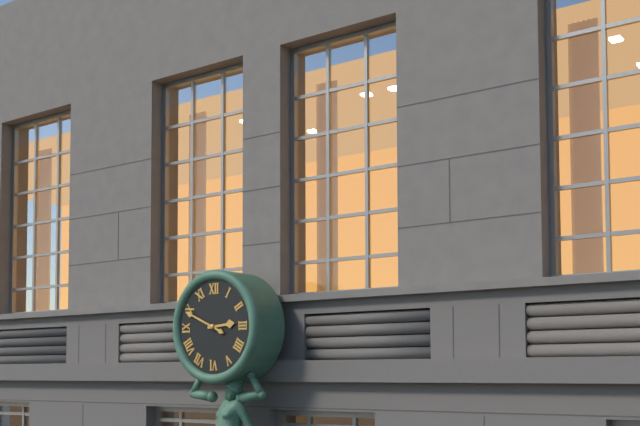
2.49
